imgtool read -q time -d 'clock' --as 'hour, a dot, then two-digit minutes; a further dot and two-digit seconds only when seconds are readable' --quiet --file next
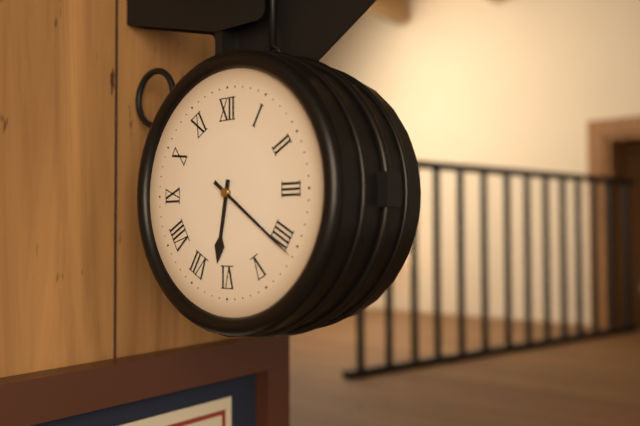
6.21
